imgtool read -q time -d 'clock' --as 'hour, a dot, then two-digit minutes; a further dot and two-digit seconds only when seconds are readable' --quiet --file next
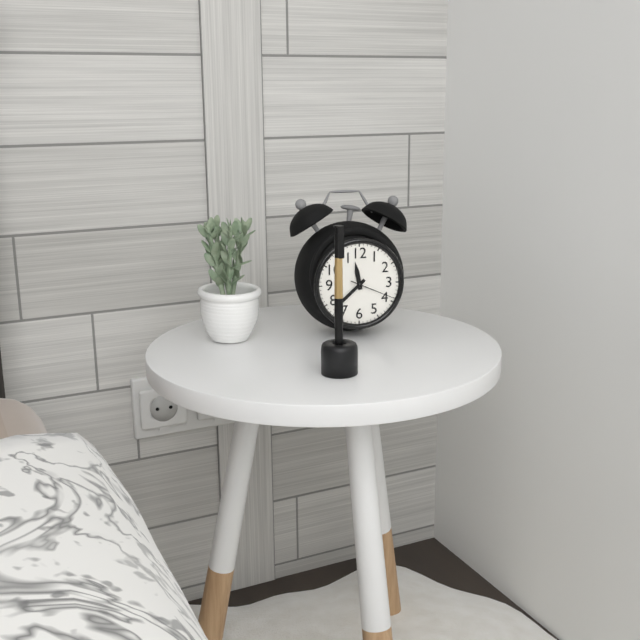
11.38
